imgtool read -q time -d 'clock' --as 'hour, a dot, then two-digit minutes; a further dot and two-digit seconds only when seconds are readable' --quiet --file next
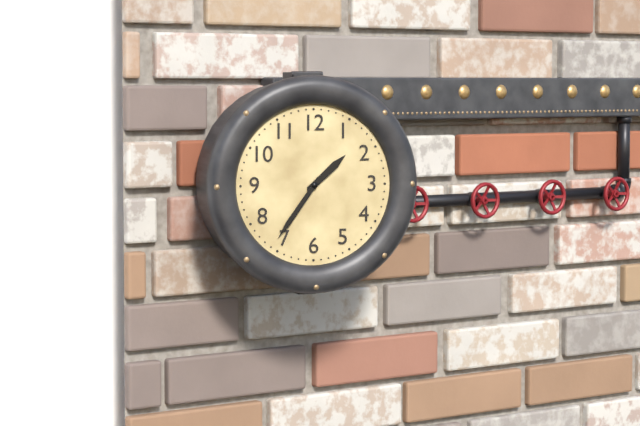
1.36
